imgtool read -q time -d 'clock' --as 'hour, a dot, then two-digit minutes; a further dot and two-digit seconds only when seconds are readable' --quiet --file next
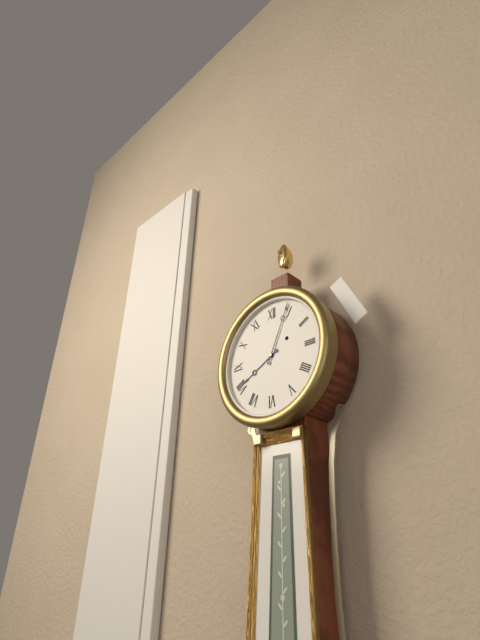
8.04
